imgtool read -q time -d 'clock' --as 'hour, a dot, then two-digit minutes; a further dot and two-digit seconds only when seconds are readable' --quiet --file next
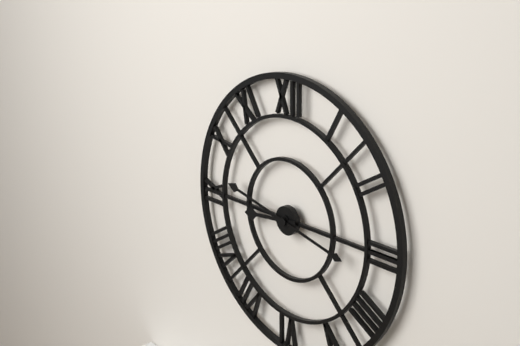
8.47
